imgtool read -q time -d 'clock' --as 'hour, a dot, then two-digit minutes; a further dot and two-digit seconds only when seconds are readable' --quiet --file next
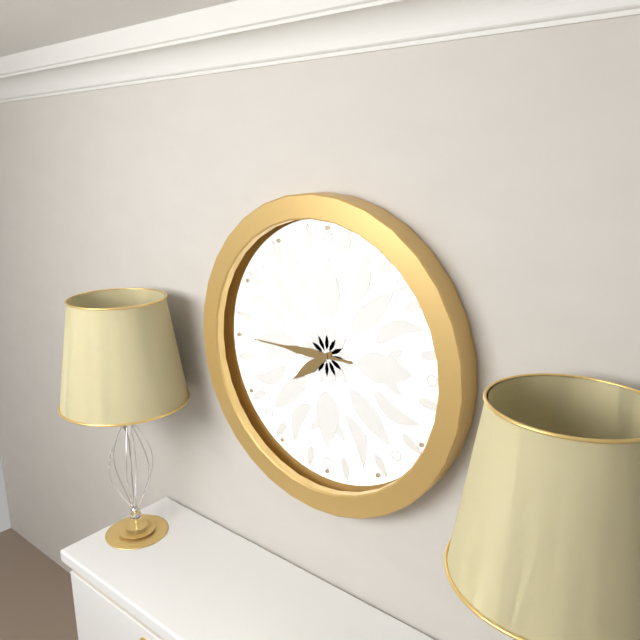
7.45
